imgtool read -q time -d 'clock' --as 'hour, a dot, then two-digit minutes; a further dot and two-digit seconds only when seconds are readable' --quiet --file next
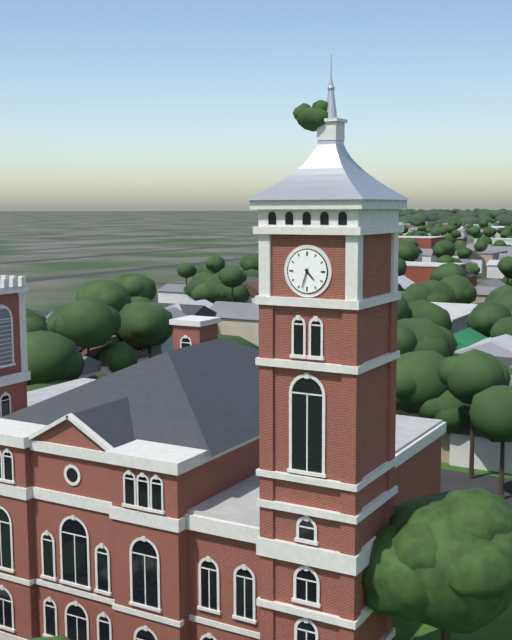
4.33
